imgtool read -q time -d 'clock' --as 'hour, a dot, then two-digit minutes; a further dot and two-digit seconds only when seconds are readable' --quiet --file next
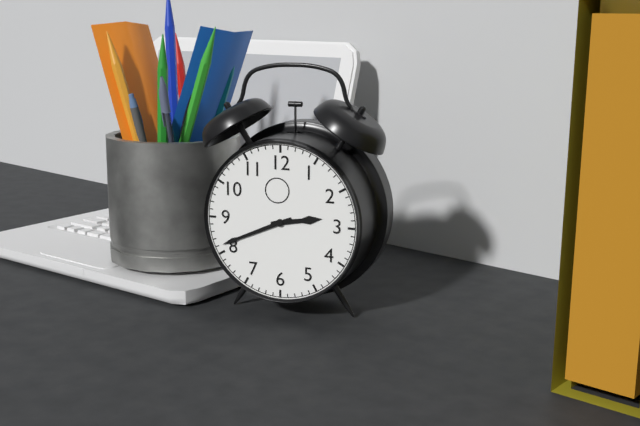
2.41
